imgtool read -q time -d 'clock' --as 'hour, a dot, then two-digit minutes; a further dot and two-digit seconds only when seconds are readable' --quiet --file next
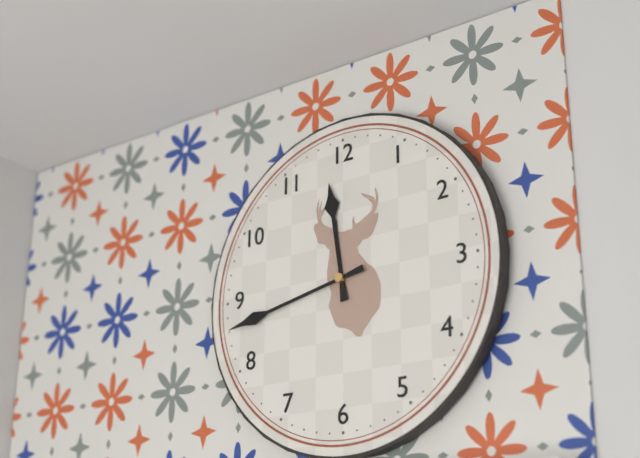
11.43
